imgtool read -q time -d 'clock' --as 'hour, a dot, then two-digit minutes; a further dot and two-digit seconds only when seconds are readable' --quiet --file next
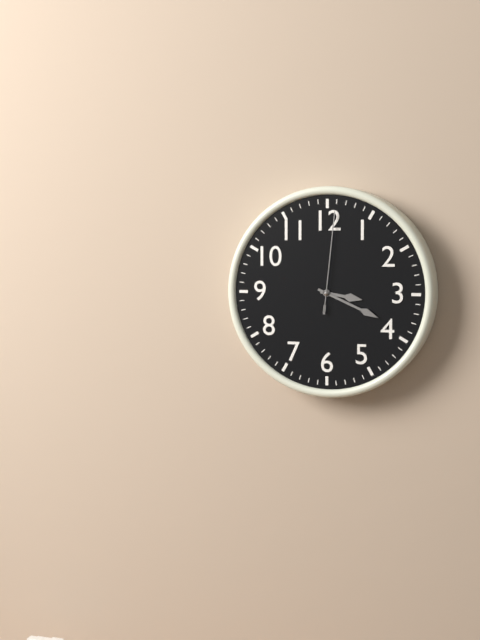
3.19.01
